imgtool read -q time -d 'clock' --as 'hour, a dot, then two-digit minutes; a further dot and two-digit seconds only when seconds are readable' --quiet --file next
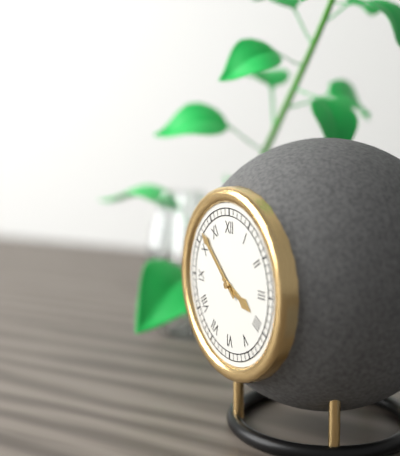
3.52
